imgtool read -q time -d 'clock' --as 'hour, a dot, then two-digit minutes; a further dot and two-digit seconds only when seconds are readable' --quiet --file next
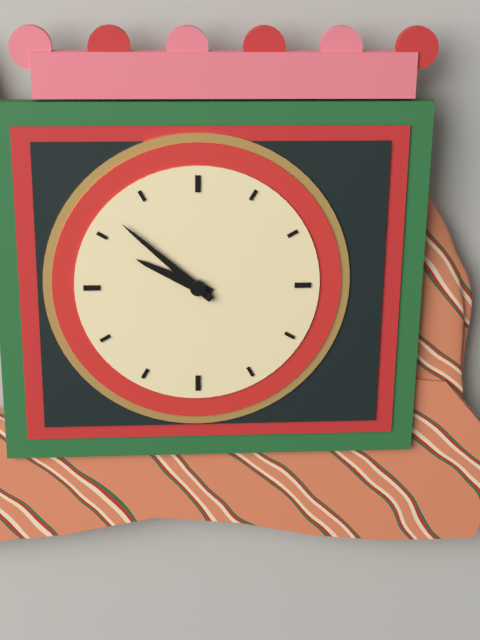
9.52
